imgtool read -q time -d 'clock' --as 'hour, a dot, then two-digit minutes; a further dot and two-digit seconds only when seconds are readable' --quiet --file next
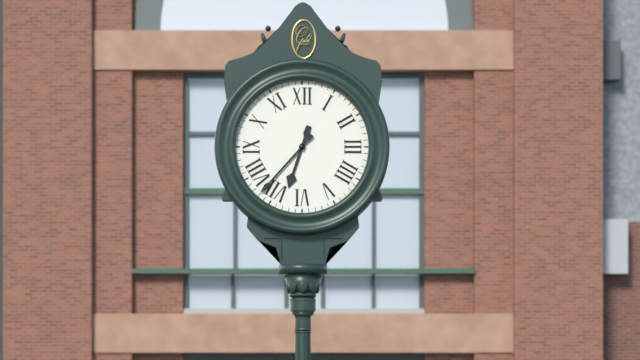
6.37
